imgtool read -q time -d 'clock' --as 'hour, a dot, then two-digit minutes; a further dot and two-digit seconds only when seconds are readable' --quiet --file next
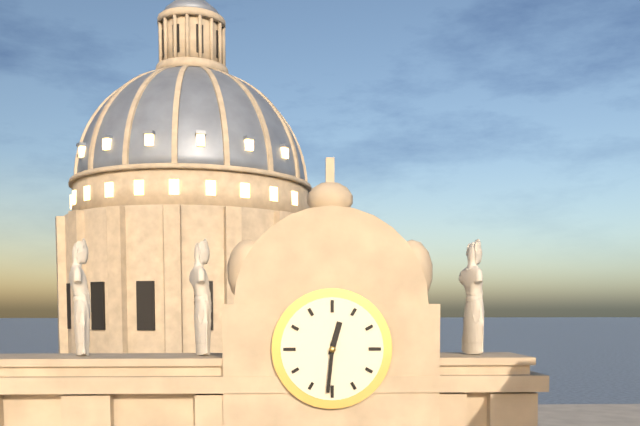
12.31
